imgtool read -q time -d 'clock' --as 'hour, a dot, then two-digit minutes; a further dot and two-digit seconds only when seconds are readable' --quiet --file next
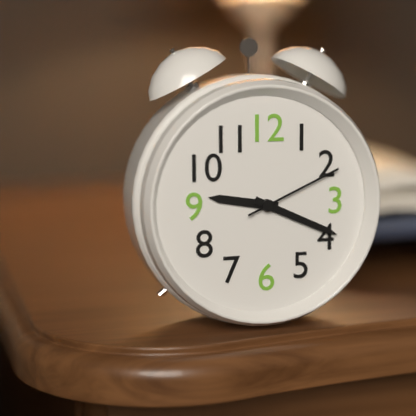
9.19.11
